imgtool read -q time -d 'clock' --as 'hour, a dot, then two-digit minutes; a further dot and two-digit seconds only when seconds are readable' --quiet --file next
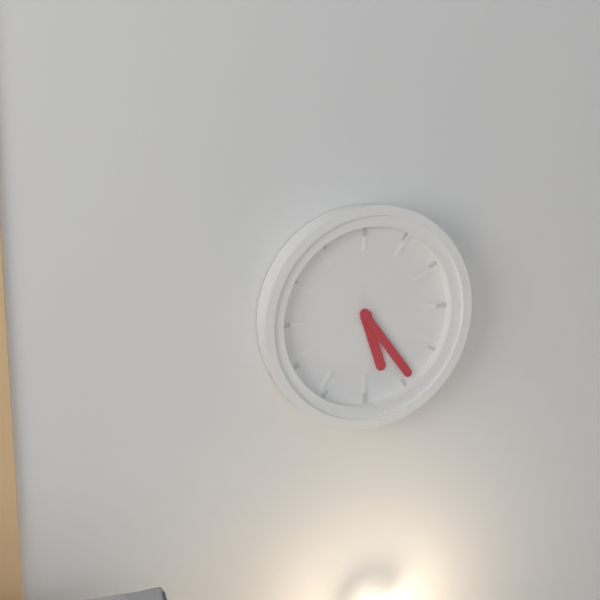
5.24
